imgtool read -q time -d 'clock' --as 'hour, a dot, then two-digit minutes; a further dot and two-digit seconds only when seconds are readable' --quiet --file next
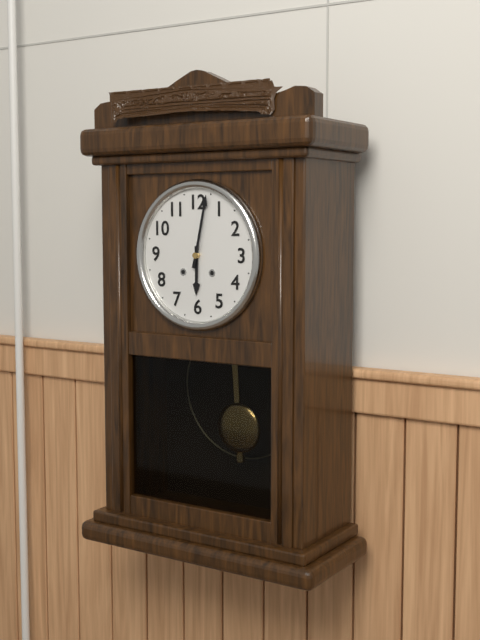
6.02
